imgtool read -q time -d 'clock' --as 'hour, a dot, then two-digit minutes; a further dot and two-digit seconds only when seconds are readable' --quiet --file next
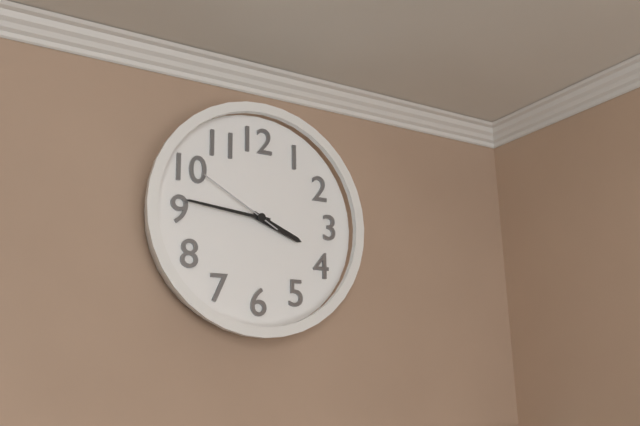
3.46.50
